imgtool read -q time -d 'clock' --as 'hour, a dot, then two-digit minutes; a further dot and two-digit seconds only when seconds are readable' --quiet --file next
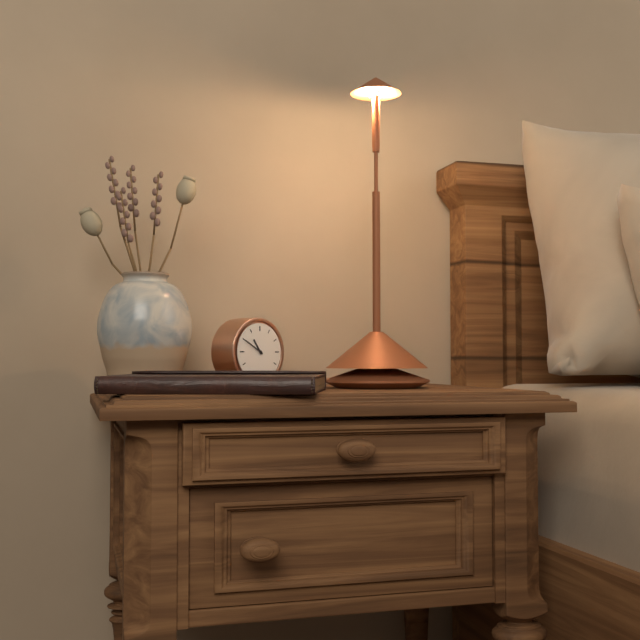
10.50
